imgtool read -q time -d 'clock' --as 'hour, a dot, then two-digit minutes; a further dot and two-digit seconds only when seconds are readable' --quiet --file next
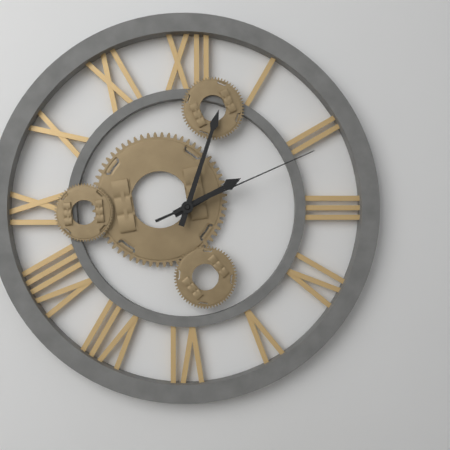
2.03.11
